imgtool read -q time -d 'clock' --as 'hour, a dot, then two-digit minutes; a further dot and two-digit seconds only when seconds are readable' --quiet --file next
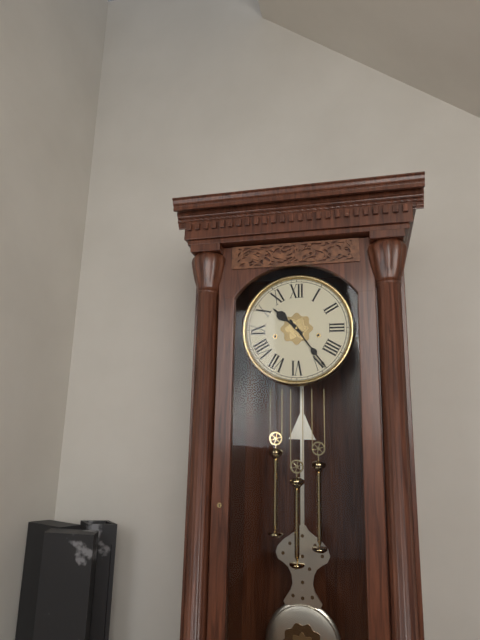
10.24
